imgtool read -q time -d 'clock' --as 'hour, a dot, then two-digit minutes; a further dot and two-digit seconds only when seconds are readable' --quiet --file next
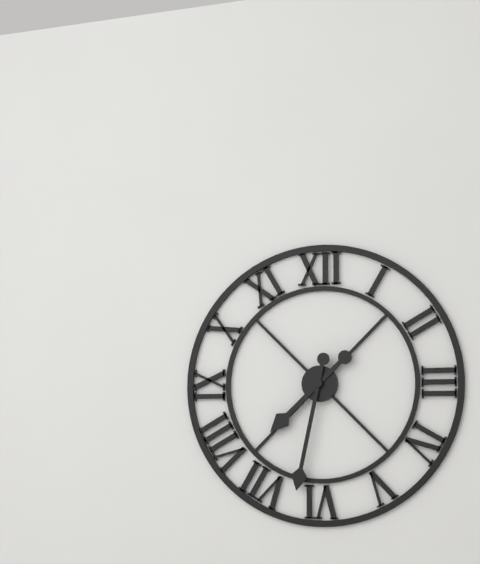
7.32
